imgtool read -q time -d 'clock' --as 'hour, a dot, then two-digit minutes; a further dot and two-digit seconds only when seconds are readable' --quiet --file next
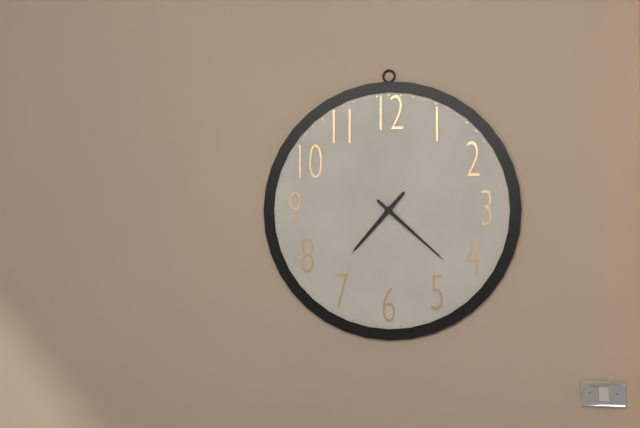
7.22
